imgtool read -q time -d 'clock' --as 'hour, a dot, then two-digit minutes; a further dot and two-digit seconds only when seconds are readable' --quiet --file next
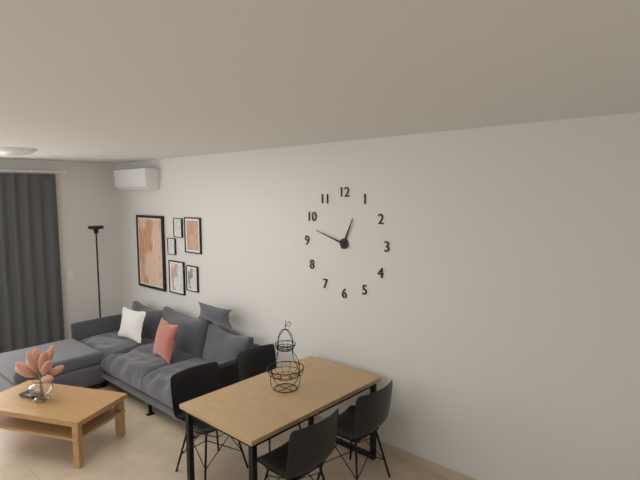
12.48
